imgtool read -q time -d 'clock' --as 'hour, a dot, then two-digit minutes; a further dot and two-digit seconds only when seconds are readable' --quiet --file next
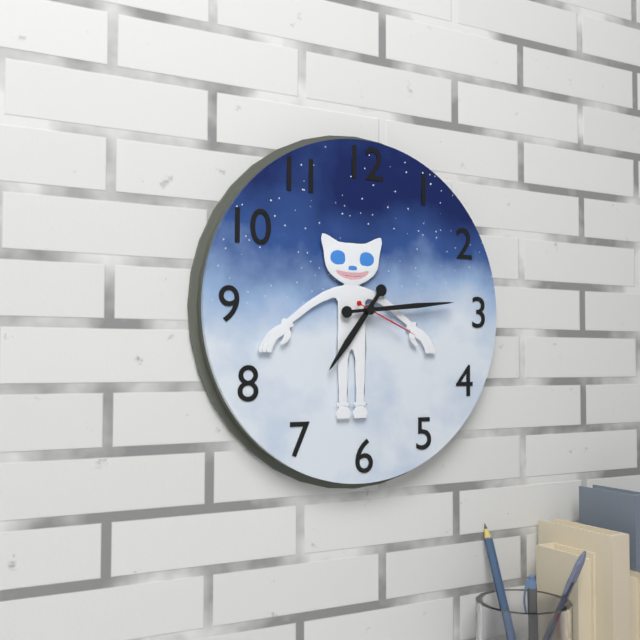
7.14.19
